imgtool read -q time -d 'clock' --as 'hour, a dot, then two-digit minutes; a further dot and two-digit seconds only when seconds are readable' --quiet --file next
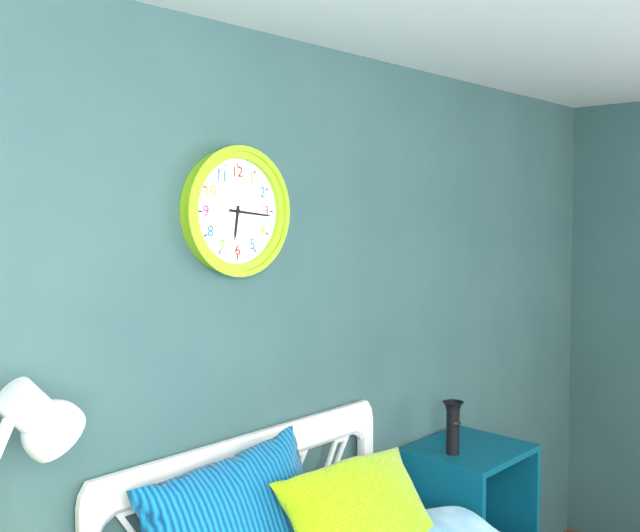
6.16
